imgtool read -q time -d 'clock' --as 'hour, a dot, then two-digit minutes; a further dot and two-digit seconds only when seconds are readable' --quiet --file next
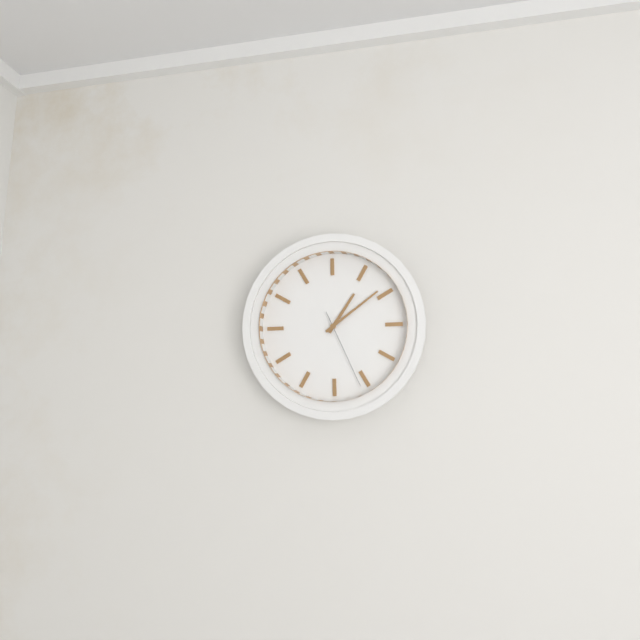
1.09.26
